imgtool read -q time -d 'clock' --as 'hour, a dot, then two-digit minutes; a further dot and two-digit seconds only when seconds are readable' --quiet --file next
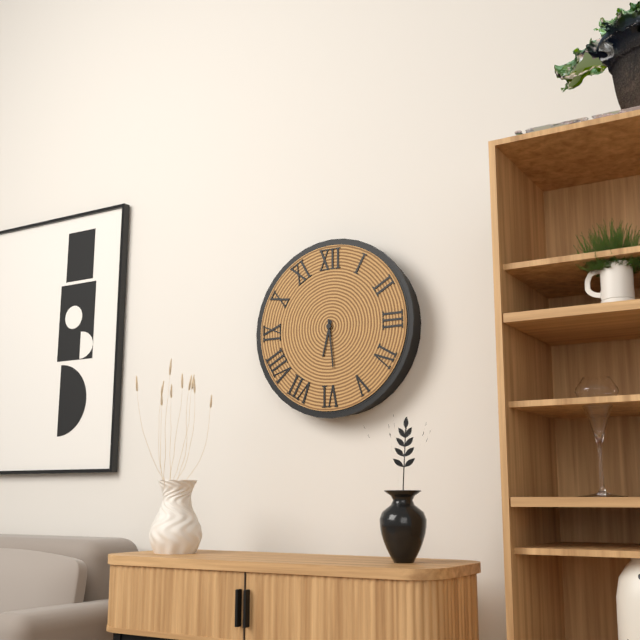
6.29
